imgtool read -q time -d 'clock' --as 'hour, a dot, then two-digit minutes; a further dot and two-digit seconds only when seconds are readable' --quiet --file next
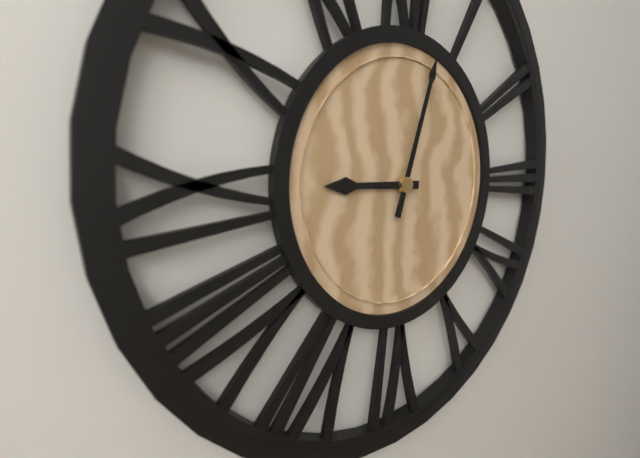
9.03
